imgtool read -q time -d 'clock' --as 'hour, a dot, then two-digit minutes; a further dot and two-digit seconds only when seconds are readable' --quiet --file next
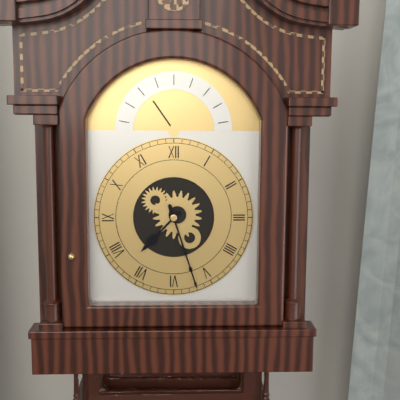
7.27
